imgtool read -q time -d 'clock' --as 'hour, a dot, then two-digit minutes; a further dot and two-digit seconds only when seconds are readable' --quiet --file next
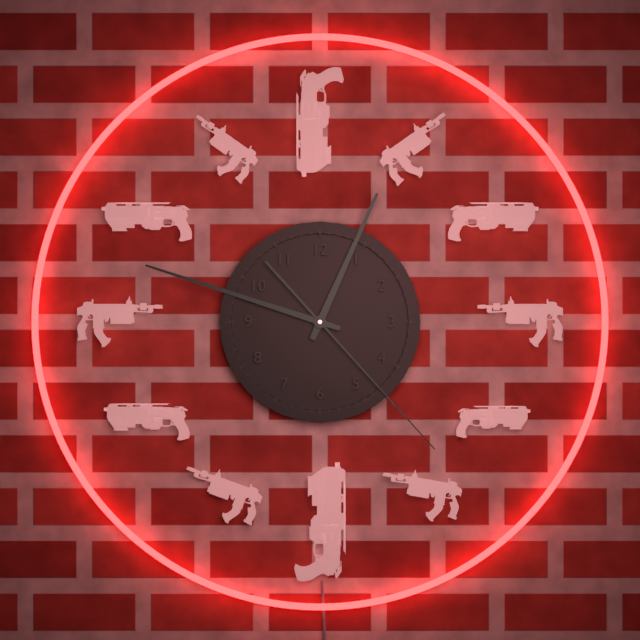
12.48.23
